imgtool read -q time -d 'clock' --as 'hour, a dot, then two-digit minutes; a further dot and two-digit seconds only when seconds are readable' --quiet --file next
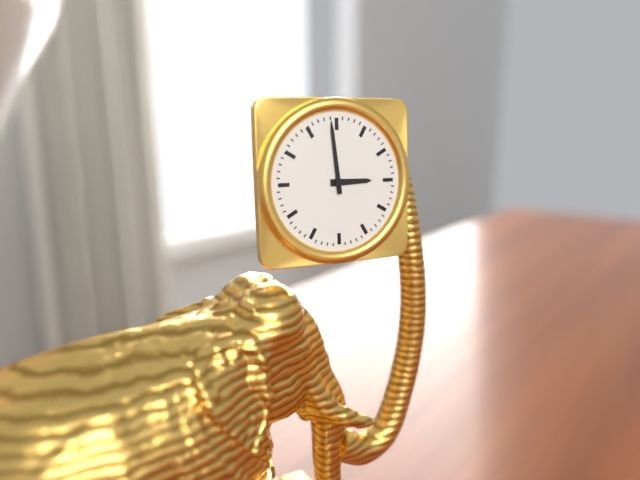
2.59
